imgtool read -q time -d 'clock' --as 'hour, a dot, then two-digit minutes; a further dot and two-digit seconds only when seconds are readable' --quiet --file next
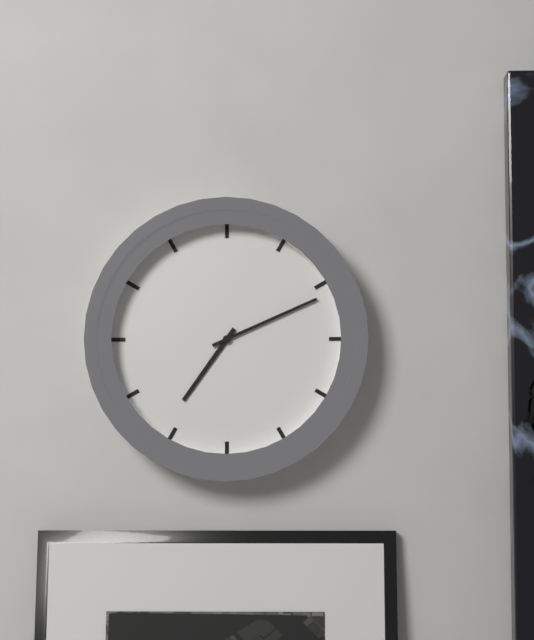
7.11
